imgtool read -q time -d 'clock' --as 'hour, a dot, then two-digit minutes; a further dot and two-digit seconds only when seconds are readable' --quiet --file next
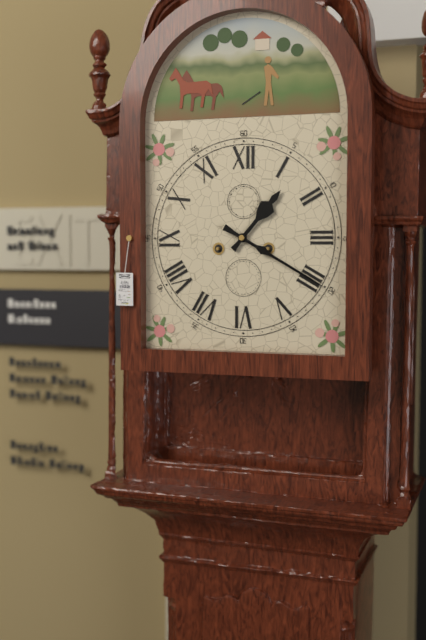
1.20
